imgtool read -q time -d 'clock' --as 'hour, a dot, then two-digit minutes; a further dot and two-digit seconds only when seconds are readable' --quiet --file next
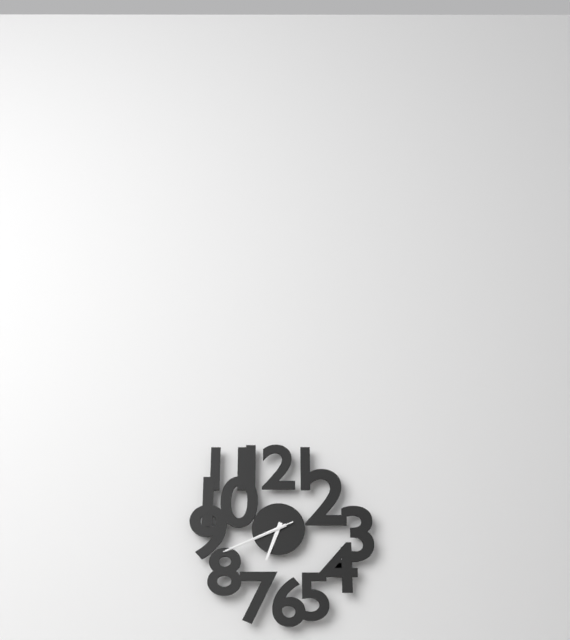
6.41.41
